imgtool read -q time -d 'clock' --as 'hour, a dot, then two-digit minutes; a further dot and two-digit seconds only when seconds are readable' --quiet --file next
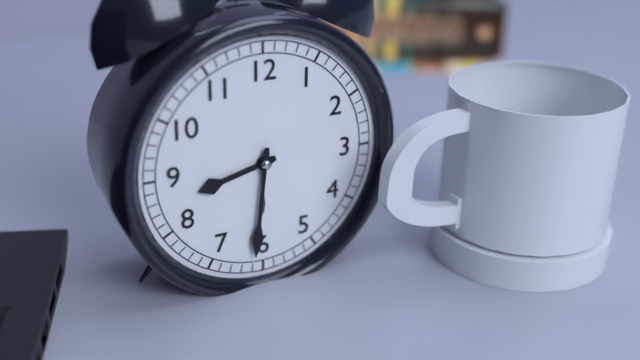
8.31
